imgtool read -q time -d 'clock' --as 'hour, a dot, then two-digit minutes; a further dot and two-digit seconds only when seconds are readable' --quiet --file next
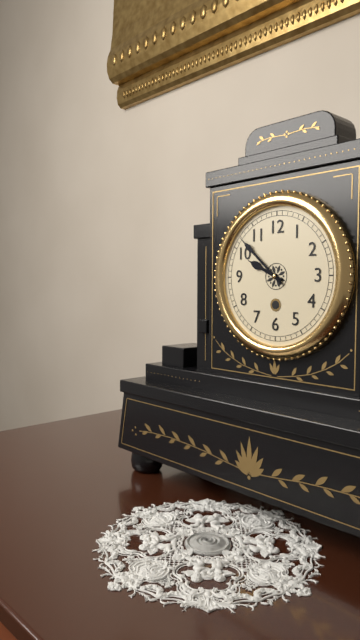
9.52
